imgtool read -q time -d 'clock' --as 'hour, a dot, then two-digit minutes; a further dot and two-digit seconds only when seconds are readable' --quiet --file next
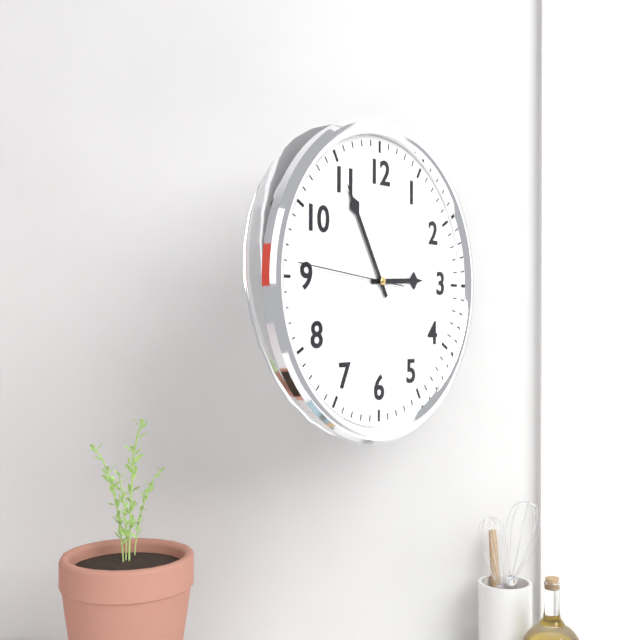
2.55.46
